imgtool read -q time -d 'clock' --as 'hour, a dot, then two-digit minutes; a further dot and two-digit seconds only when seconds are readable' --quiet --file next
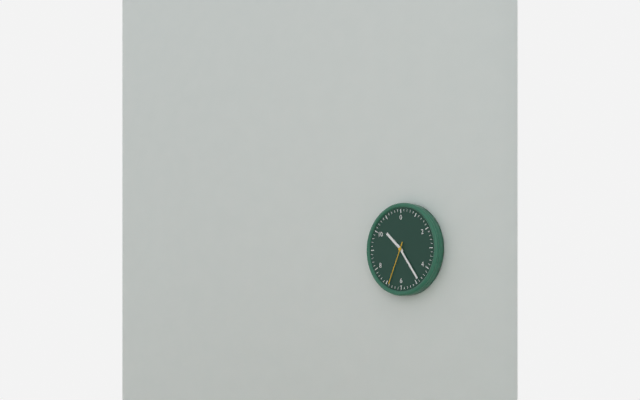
10.24
